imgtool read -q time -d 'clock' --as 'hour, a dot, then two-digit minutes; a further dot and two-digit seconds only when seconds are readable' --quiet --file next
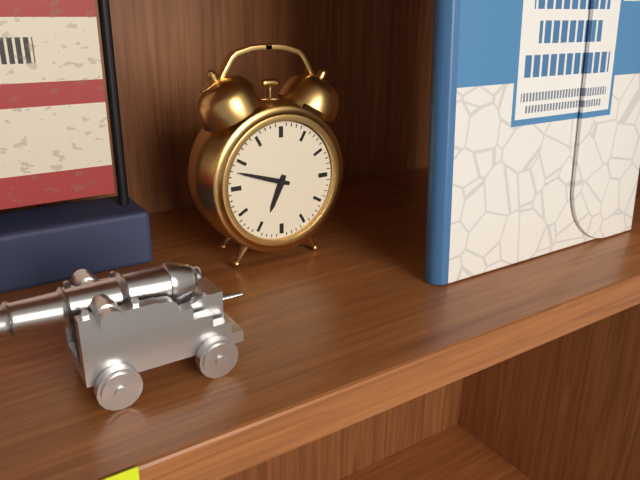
6.48
